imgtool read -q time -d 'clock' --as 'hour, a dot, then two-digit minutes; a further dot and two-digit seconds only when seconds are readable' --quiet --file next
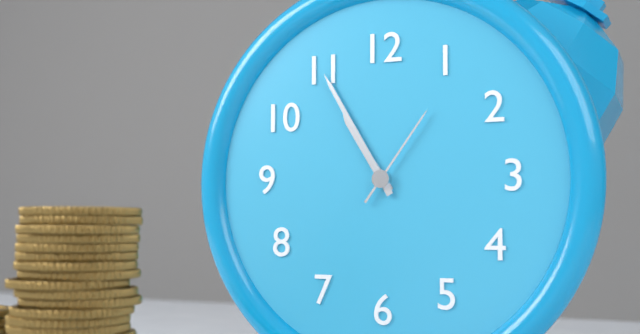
10.55.06
